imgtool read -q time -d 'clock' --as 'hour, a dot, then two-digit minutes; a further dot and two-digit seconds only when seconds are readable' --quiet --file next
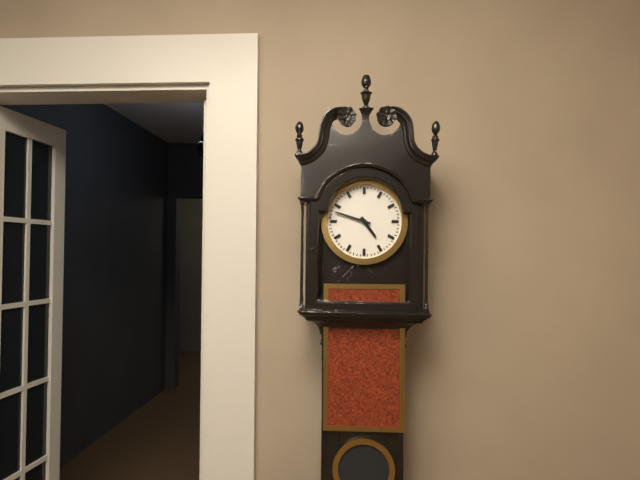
4.48
